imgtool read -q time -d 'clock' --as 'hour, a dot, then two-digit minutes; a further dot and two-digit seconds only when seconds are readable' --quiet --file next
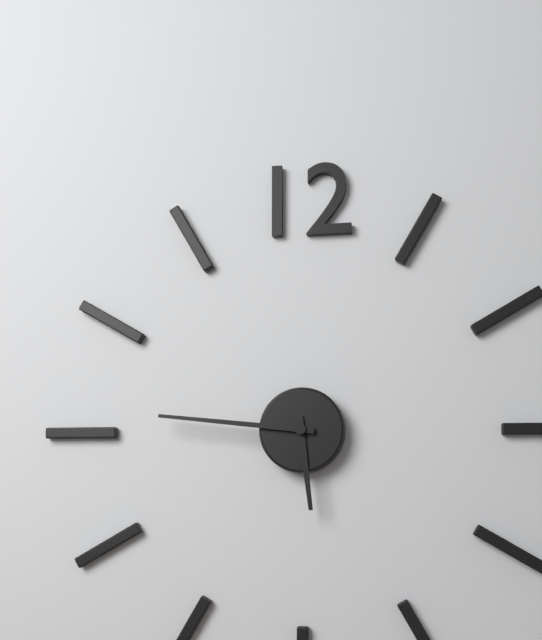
5.46
